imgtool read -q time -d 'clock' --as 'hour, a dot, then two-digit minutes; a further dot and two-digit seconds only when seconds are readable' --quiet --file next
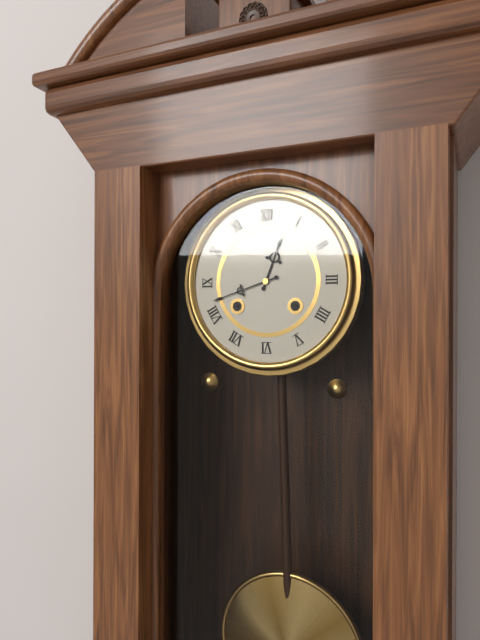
12.42
